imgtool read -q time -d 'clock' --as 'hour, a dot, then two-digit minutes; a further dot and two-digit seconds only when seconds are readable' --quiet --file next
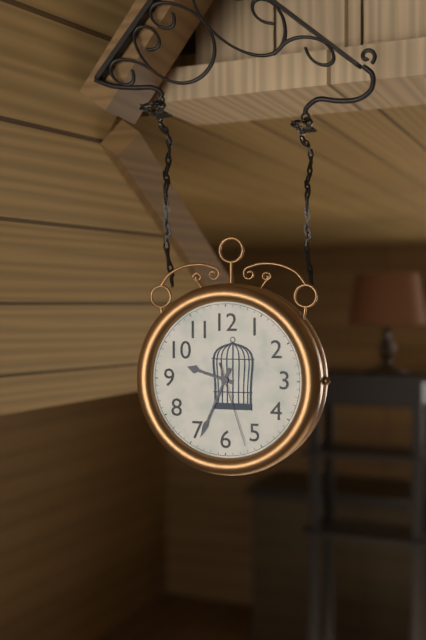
9.34.27
